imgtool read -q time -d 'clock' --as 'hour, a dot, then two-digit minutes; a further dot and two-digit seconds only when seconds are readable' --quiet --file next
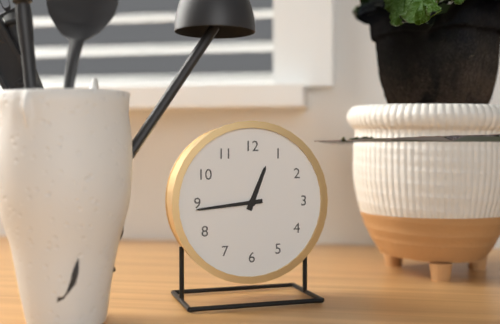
12.44
